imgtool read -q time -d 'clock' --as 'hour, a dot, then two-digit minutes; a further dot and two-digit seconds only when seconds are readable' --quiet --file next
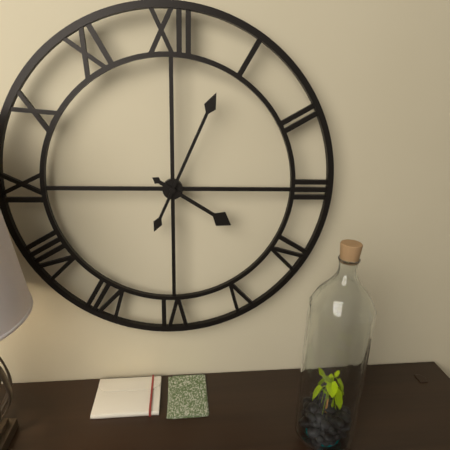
4.04
